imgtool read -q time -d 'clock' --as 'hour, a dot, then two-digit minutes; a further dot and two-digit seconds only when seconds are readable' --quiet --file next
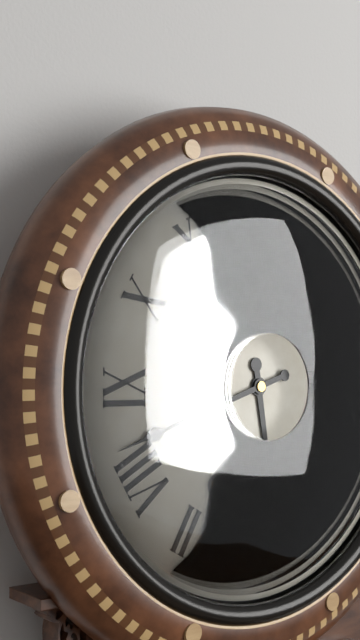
5.42
